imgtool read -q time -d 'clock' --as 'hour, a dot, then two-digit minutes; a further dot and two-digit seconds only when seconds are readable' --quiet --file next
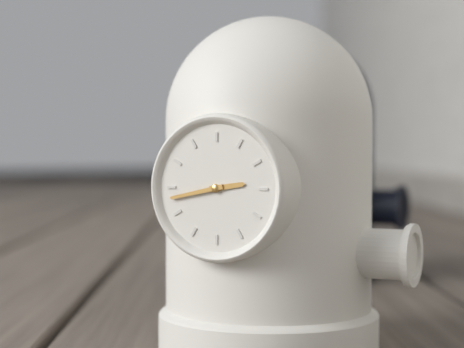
2.43
